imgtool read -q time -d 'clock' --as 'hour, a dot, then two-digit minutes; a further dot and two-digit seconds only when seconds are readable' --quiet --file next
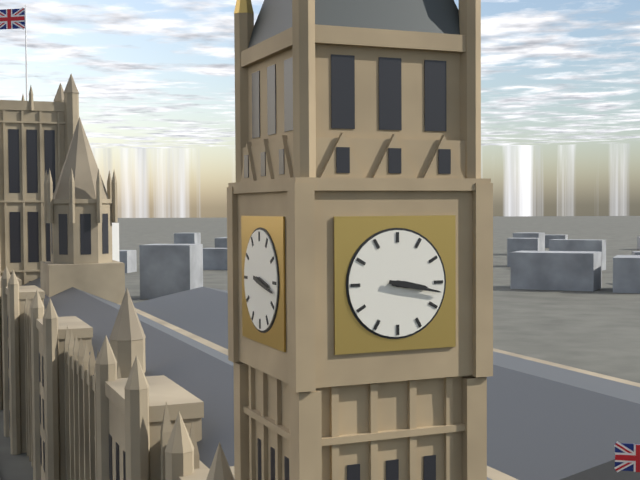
3.17
